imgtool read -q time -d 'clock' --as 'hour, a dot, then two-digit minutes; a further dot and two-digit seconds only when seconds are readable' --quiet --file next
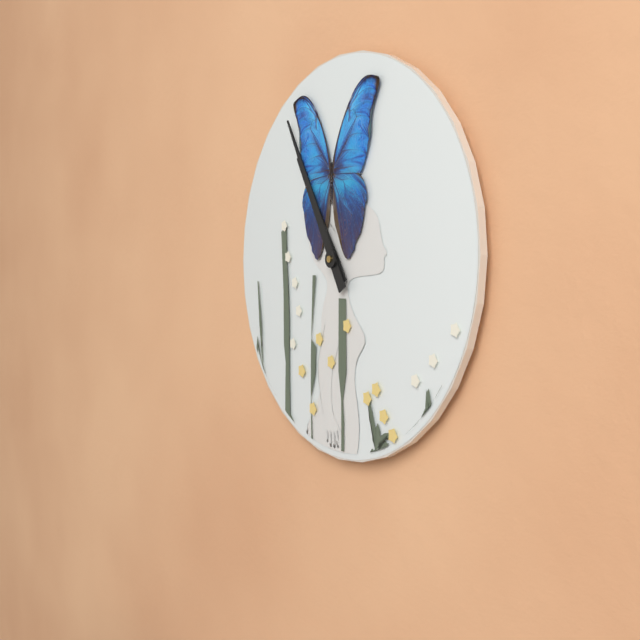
10.55
